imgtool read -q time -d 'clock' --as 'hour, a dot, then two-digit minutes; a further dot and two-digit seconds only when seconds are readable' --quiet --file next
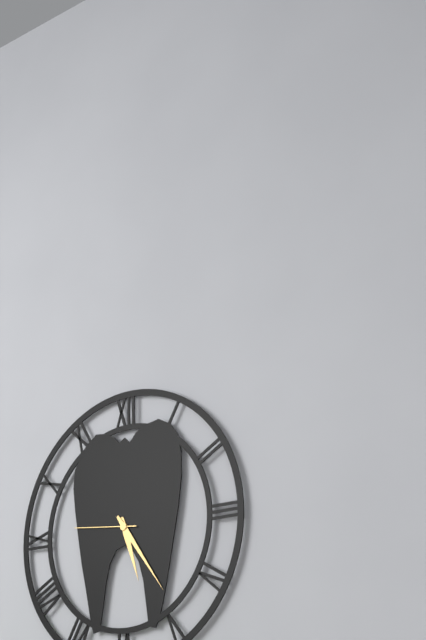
5.24.46
